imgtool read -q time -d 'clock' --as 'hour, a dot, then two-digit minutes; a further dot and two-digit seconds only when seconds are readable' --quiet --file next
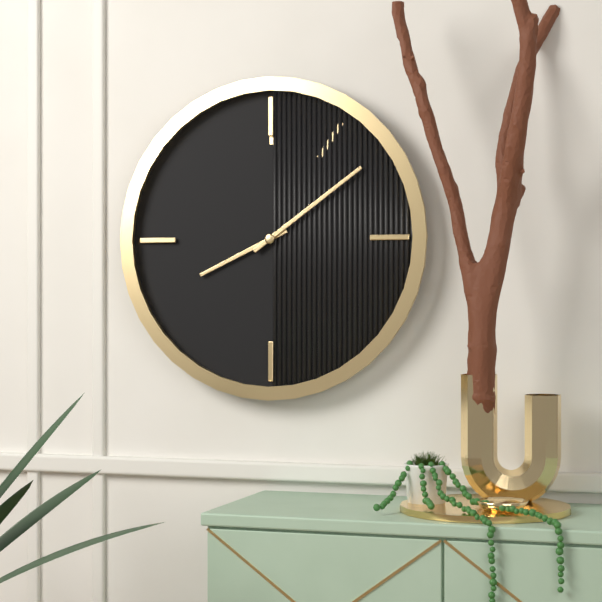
8.09
